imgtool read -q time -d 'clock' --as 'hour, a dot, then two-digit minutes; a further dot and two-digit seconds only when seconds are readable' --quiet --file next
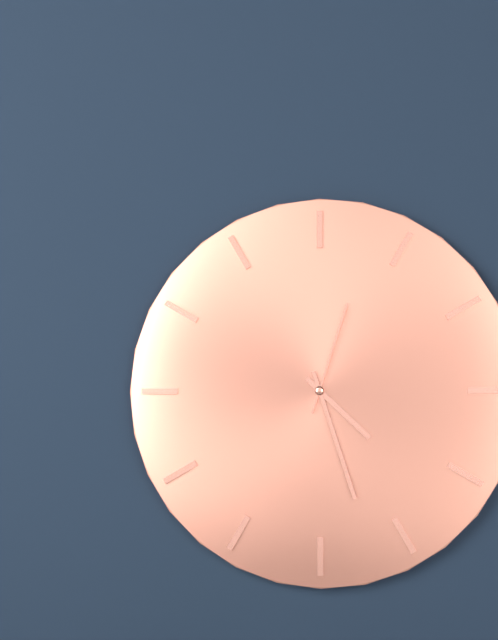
4.27.03
